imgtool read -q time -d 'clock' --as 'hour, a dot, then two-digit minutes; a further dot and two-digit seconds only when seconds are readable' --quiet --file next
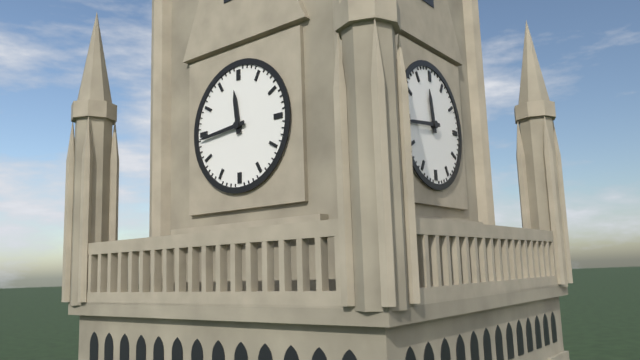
11.44
